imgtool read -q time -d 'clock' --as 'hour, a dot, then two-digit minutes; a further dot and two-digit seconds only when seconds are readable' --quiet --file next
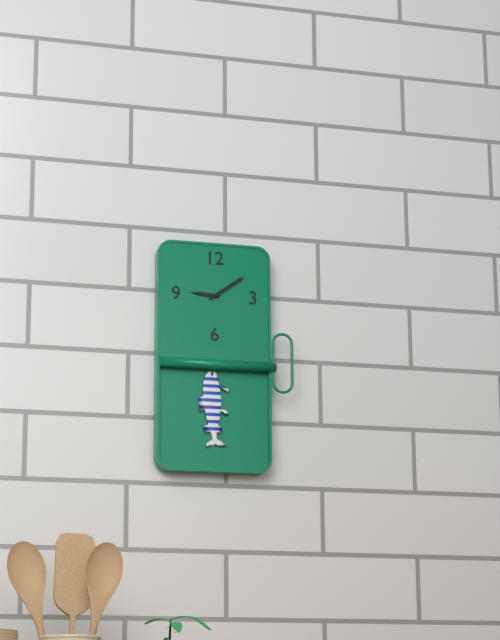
9.09
